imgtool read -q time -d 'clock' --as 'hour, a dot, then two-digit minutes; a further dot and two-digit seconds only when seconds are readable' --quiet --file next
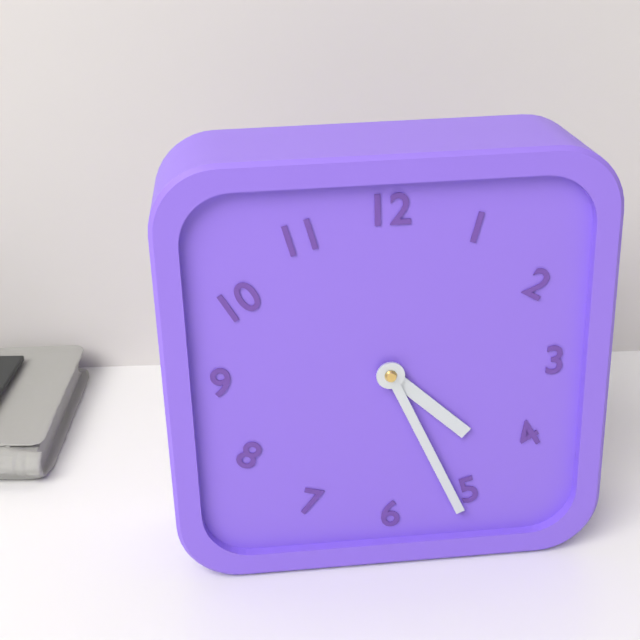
4.26
